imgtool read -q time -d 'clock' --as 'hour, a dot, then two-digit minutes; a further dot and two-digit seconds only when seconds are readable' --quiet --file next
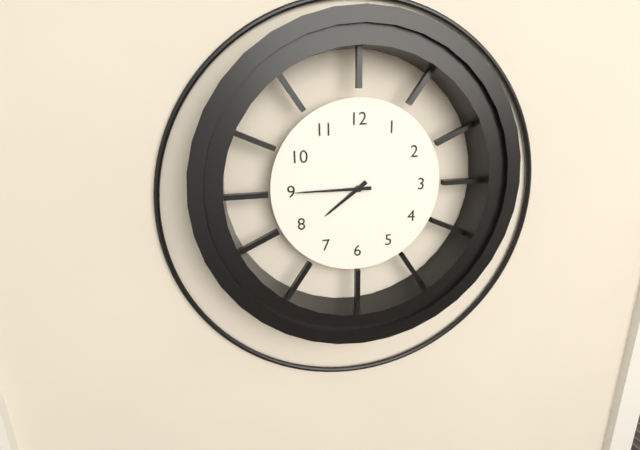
7.45
